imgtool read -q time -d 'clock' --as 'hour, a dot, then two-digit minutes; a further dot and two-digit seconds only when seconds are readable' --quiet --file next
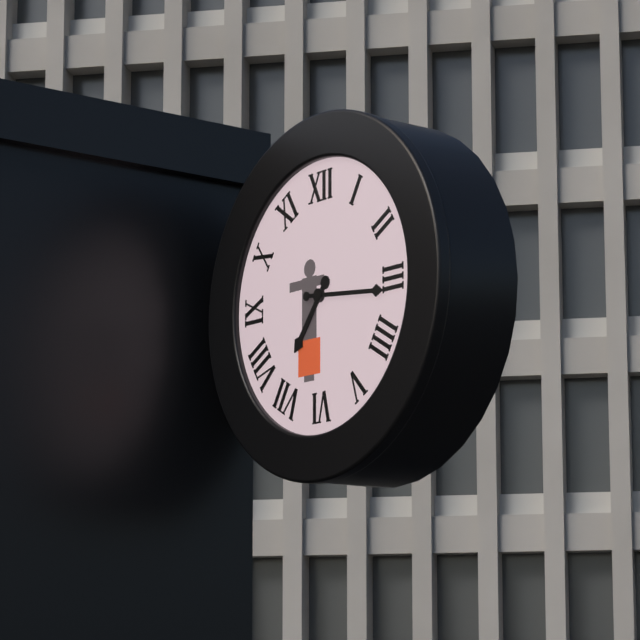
7.16
